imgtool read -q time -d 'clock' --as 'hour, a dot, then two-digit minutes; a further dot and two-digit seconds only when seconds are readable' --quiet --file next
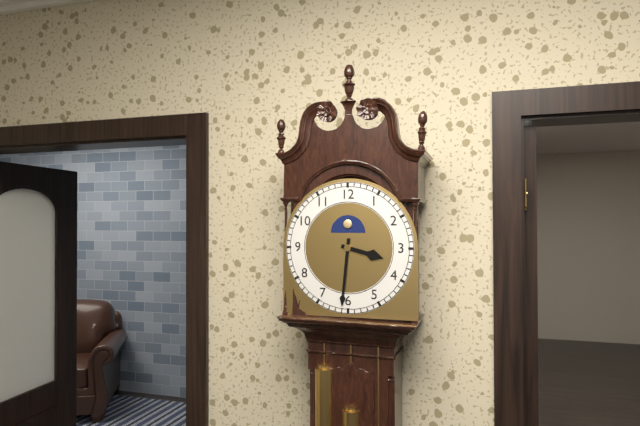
3.31
